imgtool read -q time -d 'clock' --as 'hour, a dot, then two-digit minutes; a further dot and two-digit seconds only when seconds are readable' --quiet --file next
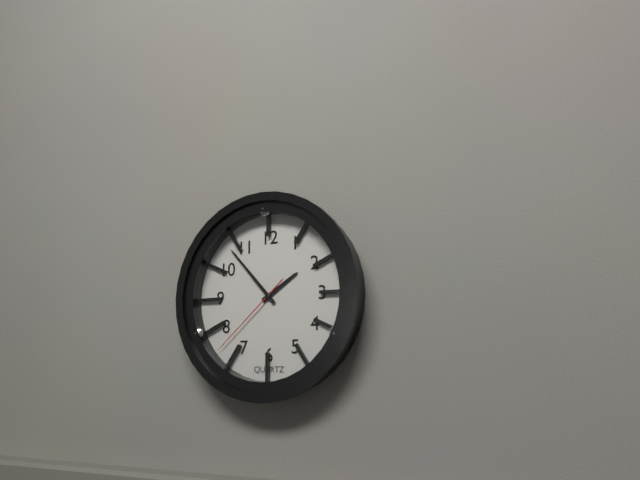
1.53.38
